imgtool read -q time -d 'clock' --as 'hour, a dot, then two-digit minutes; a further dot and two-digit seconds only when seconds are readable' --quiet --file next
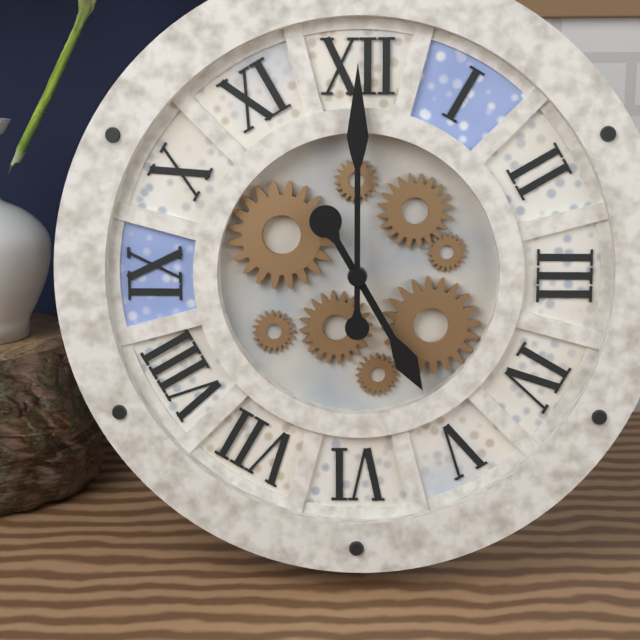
5.00
